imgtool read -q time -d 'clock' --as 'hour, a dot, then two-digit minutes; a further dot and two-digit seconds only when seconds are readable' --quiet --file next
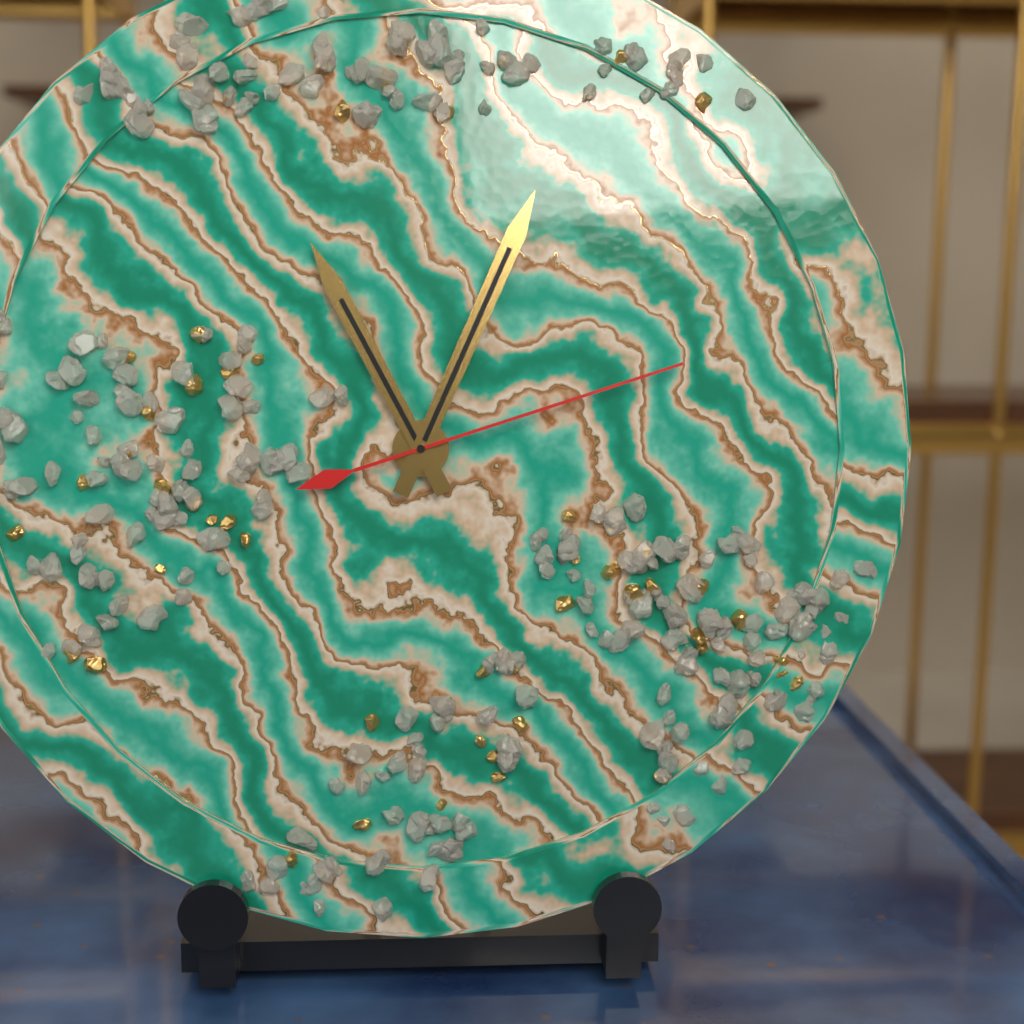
11.04.12
